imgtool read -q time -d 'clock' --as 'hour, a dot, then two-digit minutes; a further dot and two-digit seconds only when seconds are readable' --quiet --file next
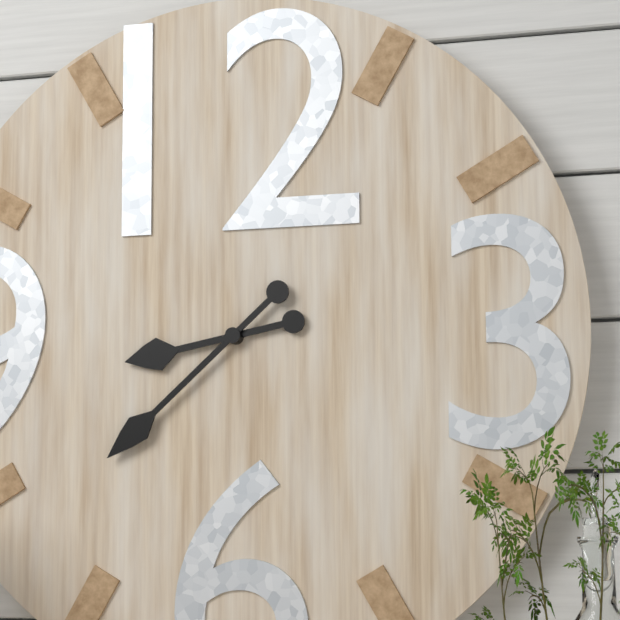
8.38
